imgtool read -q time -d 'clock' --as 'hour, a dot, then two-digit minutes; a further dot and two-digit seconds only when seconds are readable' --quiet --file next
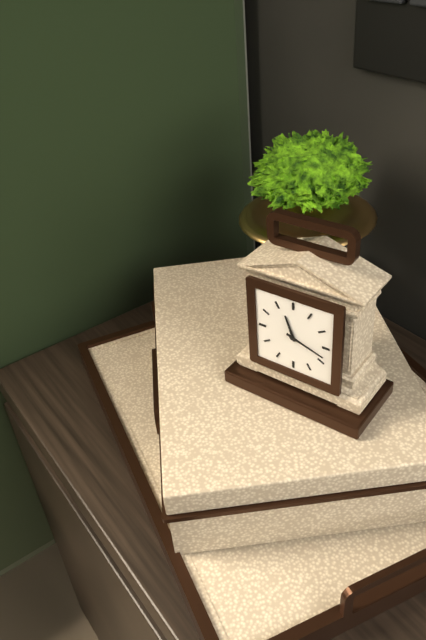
11.18
